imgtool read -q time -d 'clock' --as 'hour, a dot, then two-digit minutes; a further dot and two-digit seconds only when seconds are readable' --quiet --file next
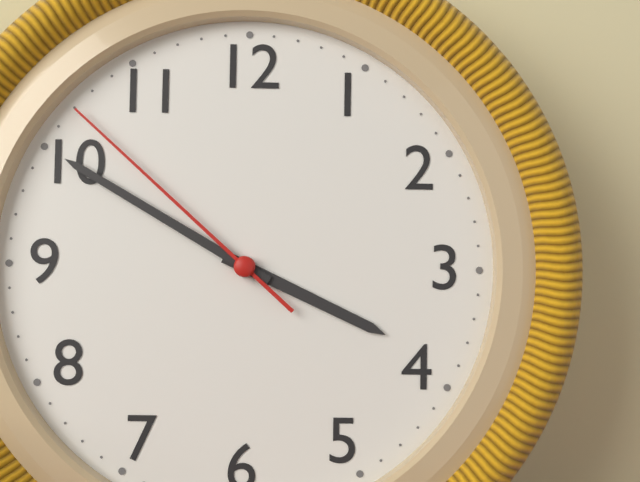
3.50.52
